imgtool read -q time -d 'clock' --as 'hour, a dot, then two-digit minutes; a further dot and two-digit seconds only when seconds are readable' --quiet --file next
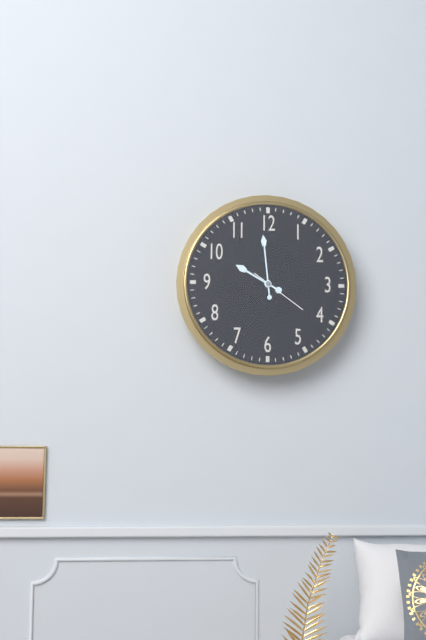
9.59.21
